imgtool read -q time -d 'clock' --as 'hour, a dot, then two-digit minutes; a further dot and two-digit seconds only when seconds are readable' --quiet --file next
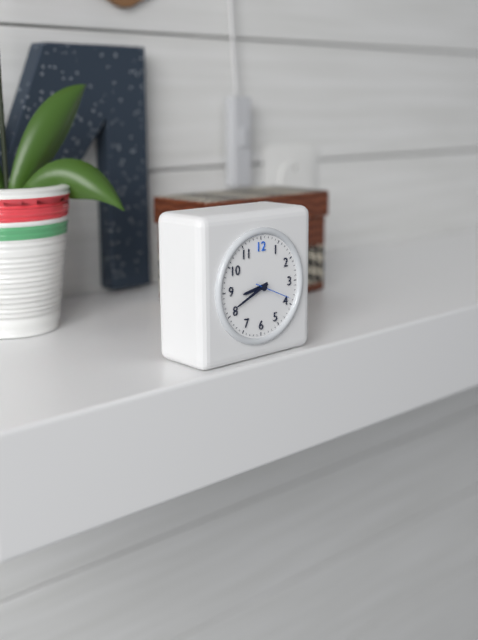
8.41
